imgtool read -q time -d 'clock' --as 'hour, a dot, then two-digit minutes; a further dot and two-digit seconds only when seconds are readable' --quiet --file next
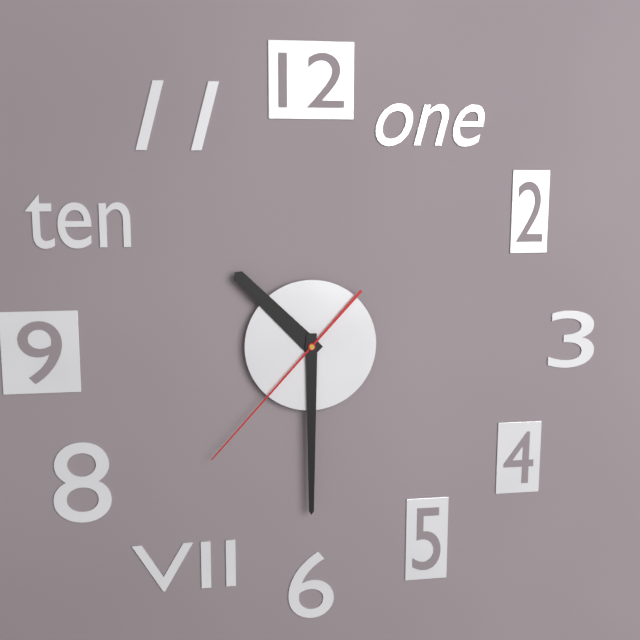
10.30.37
